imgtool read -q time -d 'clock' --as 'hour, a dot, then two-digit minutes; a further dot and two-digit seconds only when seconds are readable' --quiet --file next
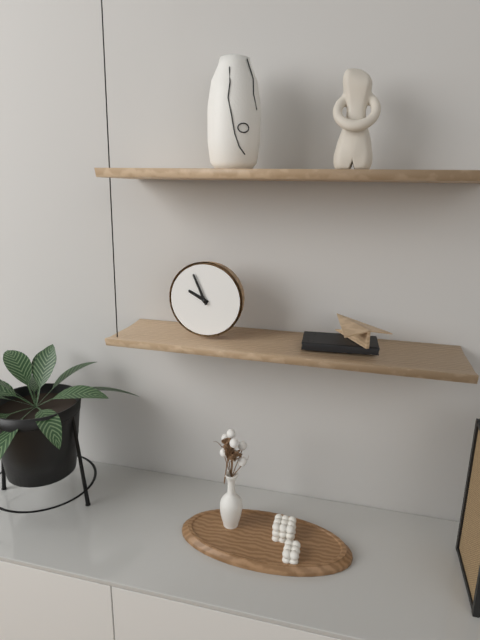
9.56
